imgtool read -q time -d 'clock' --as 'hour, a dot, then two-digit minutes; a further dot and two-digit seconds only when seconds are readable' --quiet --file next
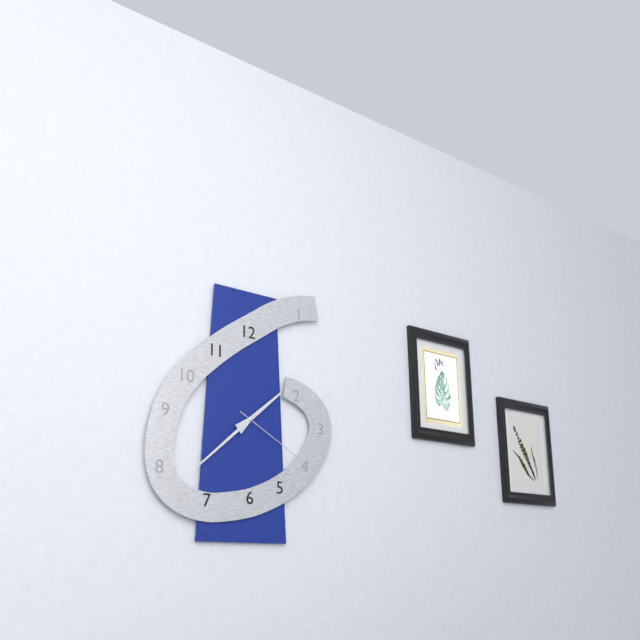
1.38.20
